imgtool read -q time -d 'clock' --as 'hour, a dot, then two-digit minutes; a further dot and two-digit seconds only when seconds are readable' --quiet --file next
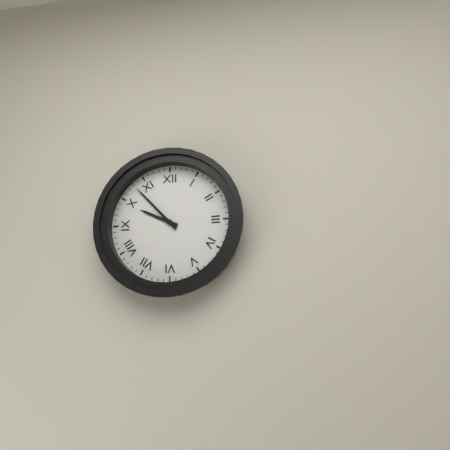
9.53
